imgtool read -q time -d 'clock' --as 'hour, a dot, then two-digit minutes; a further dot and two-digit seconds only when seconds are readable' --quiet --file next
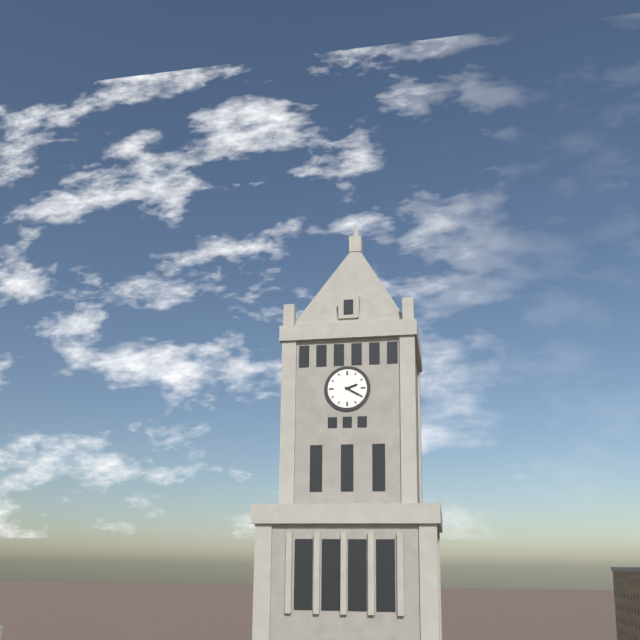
2.20
